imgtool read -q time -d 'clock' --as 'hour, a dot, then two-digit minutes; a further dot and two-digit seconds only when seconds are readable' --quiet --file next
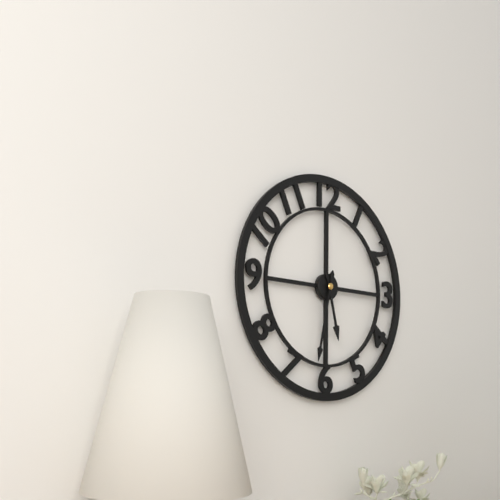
5.32
